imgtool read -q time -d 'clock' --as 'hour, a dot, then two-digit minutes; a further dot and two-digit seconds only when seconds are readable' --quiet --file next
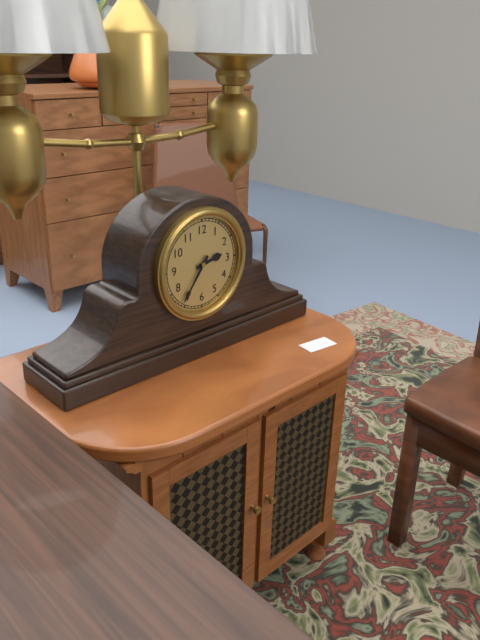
2.36
